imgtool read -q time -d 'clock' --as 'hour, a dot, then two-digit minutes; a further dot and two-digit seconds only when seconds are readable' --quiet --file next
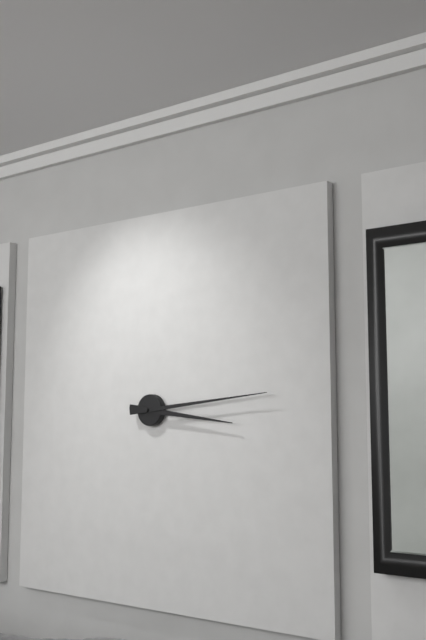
3.14
